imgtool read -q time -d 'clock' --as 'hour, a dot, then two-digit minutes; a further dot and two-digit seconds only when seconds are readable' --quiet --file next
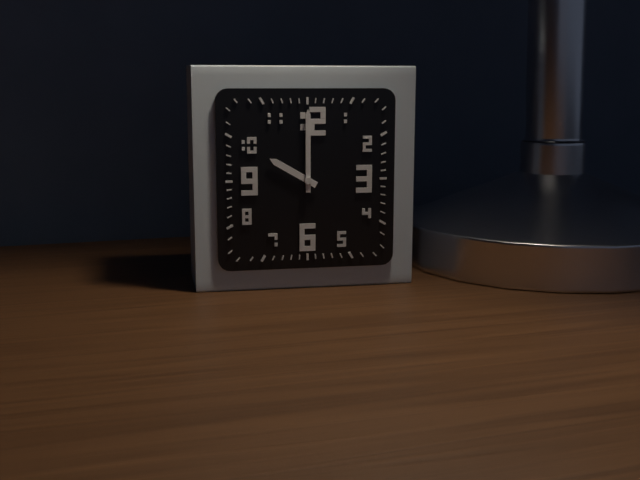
10.00
